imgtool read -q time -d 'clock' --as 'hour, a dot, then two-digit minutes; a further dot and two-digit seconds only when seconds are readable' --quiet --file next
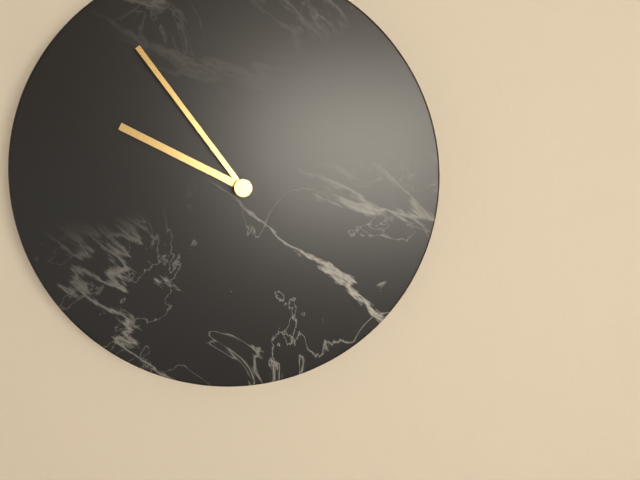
9.54
